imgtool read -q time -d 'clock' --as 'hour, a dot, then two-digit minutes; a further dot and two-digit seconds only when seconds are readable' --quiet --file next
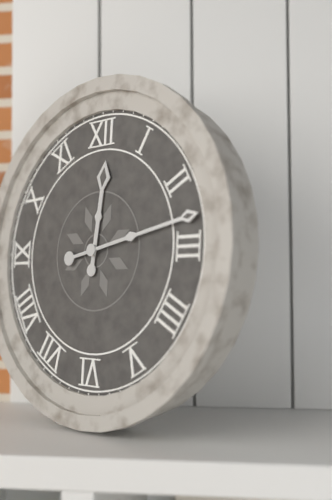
12.13
